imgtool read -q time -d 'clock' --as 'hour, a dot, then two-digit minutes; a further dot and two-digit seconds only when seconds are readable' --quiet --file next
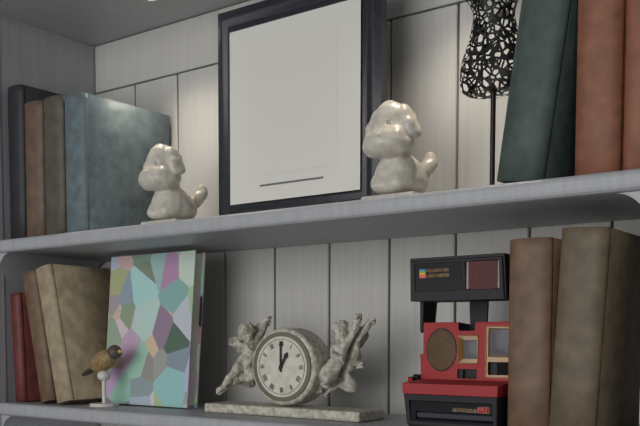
1.00
